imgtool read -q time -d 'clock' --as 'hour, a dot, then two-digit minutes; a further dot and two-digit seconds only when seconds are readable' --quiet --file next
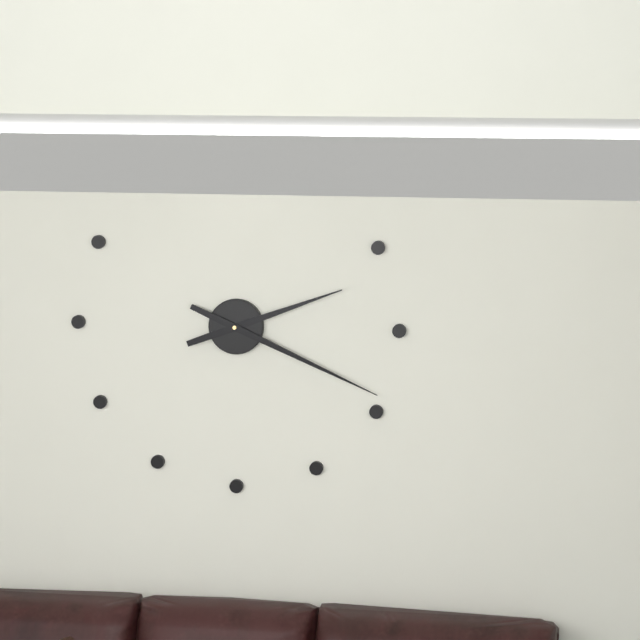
2.19
